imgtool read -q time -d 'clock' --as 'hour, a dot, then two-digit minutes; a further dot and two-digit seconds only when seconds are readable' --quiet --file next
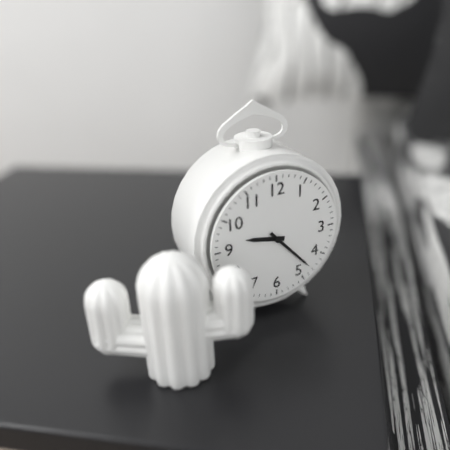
9.23
